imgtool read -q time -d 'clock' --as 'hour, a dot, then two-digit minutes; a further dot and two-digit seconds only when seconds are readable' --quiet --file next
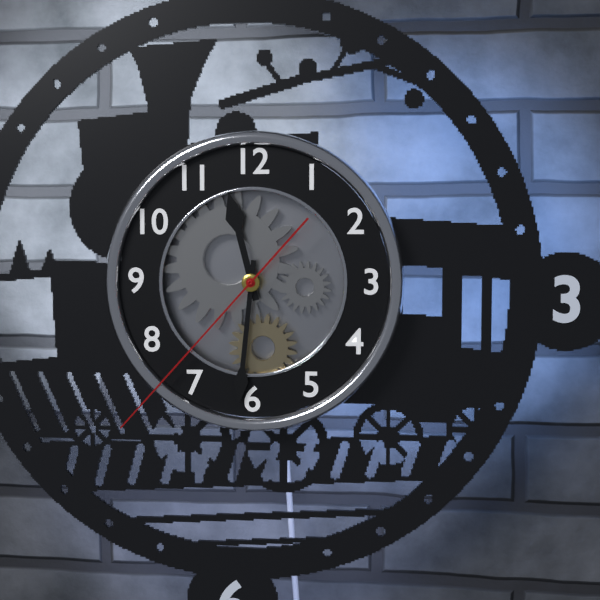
11.31.37
